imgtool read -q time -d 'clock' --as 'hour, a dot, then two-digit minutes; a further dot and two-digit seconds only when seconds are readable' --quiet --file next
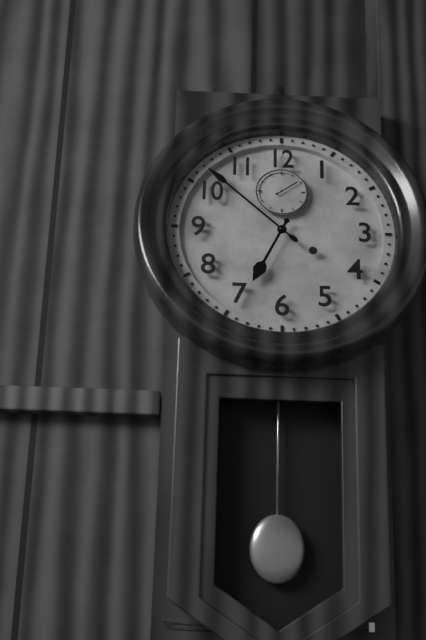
6.52
